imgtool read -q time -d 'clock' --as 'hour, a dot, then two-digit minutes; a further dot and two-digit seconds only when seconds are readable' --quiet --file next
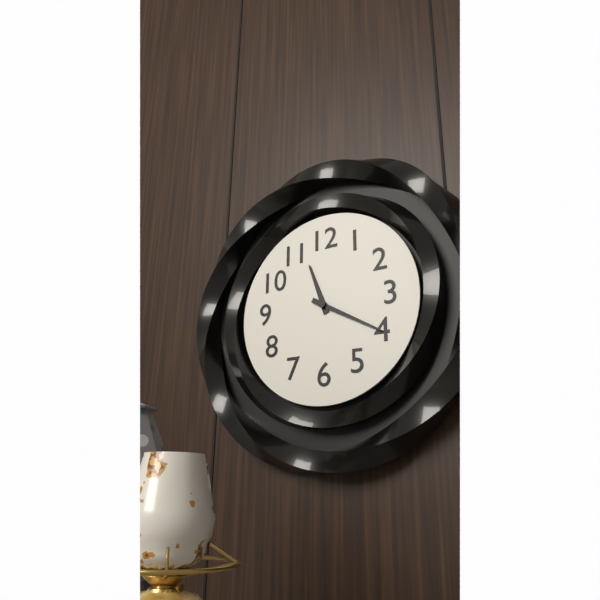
11.20
